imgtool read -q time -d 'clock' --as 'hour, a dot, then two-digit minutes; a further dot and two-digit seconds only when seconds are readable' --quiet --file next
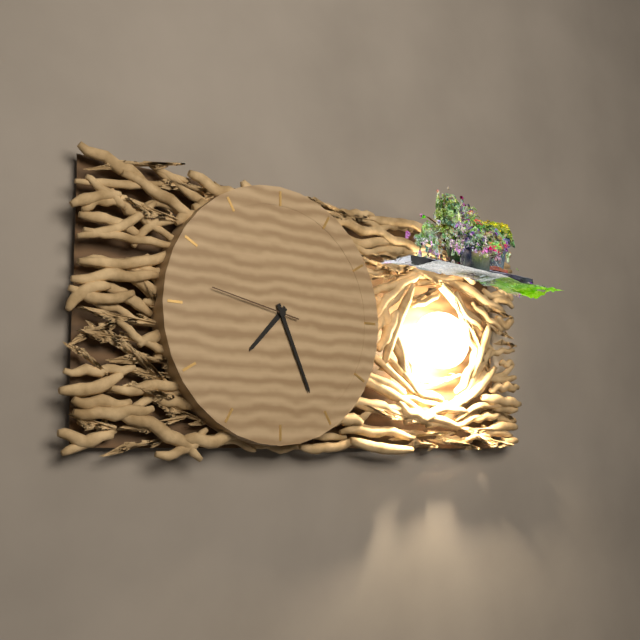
7.26.47
